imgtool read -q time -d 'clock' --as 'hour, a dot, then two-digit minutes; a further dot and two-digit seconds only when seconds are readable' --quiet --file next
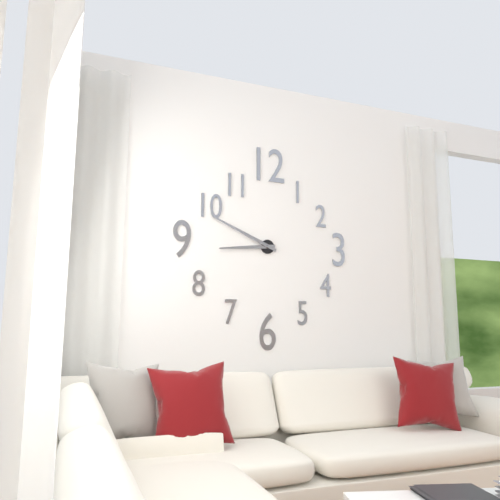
8.49
